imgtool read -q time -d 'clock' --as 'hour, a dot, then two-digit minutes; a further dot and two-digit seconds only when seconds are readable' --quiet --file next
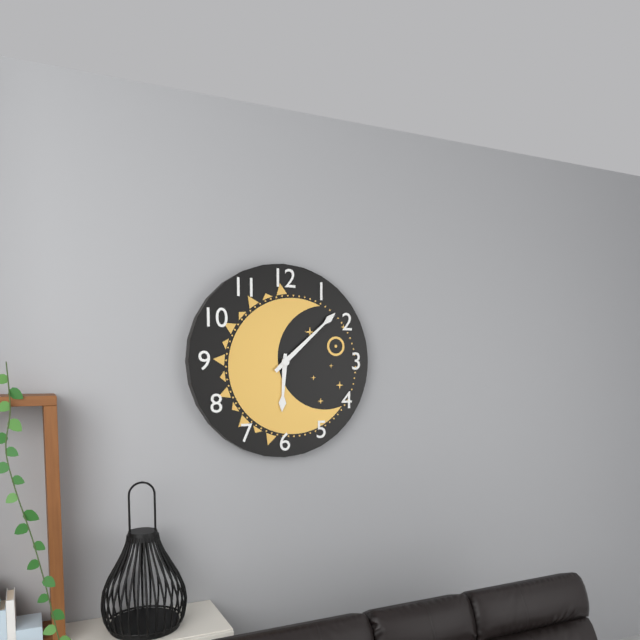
6.08
